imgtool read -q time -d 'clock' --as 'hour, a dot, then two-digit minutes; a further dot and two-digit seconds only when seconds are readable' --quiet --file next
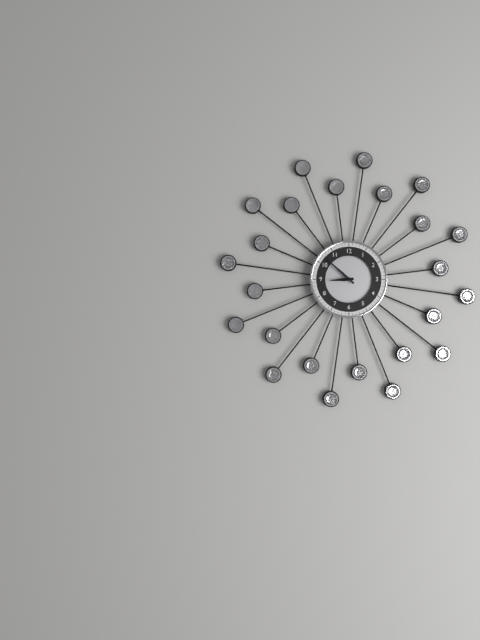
8.52
